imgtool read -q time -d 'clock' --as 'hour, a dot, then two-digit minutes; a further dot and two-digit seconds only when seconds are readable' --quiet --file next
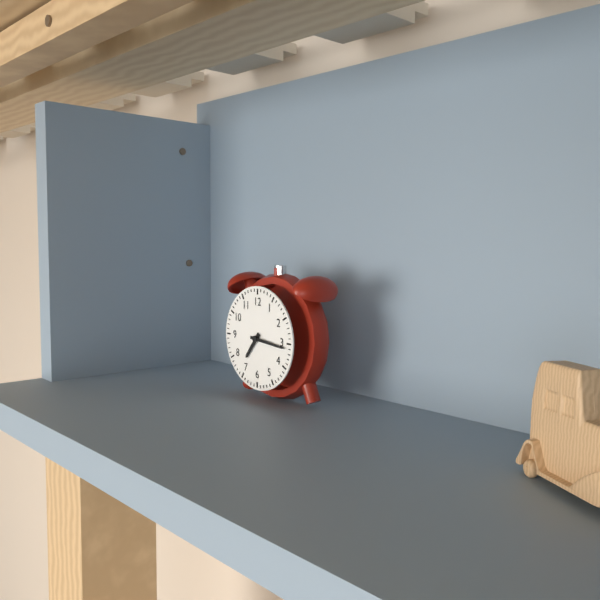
7.16
